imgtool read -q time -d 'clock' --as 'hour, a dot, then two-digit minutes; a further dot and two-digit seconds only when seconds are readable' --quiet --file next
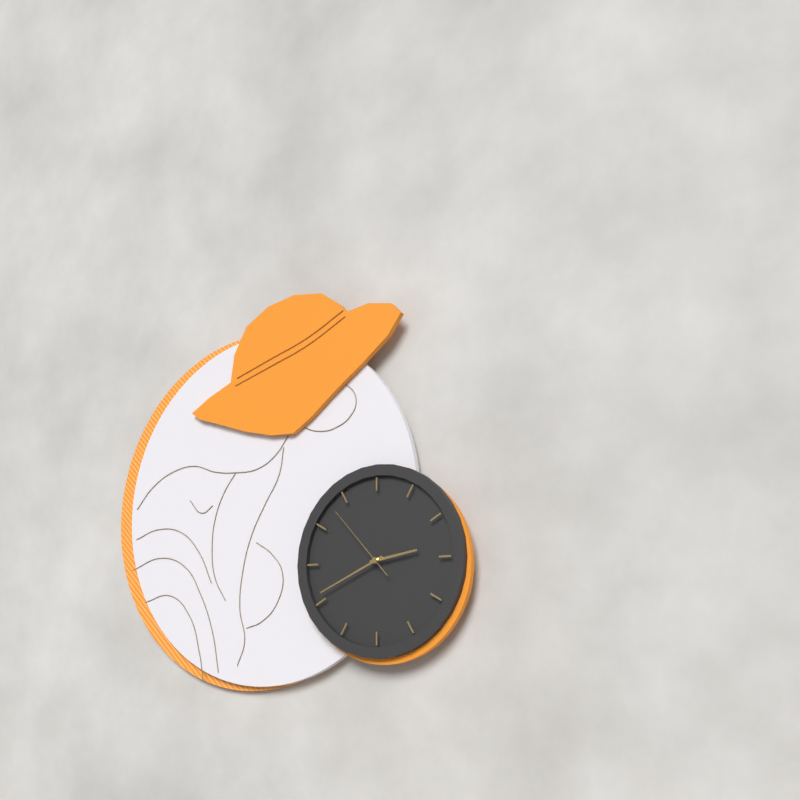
2.41.53
